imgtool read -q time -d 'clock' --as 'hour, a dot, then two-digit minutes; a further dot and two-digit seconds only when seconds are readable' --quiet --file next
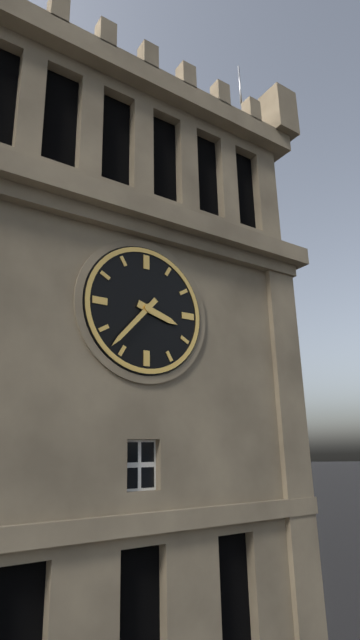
3.37
